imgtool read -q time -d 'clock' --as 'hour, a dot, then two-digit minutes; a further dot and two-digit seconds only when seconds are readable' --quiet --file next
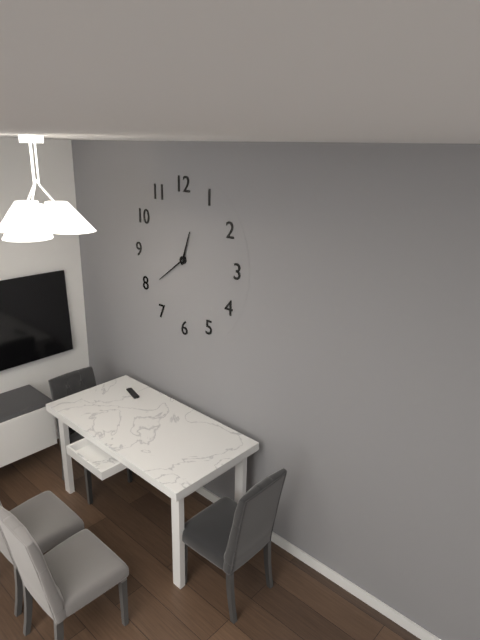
12.39
